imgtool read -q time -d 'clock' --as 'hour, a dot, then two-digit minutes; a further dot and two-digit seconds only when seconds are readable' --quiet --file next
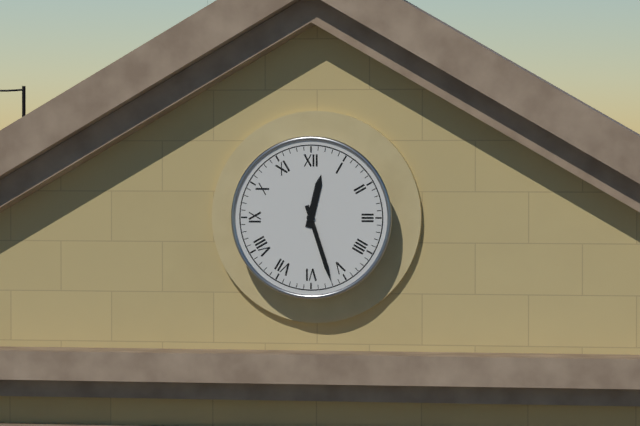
12.27
